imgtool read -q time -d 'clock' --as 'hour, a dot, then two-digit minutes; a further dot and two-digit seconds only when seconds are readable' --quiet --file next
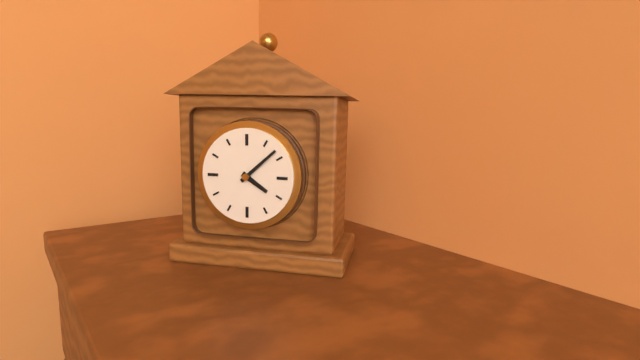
4.08
